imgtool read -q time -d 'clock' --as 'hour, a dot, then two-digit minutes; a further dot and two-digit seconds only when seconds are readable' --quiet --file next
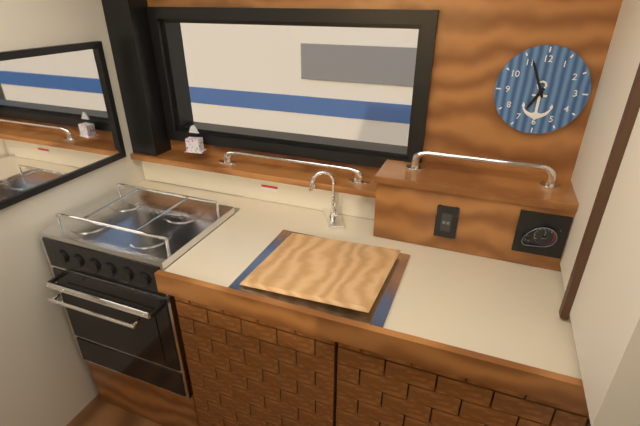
6.56
